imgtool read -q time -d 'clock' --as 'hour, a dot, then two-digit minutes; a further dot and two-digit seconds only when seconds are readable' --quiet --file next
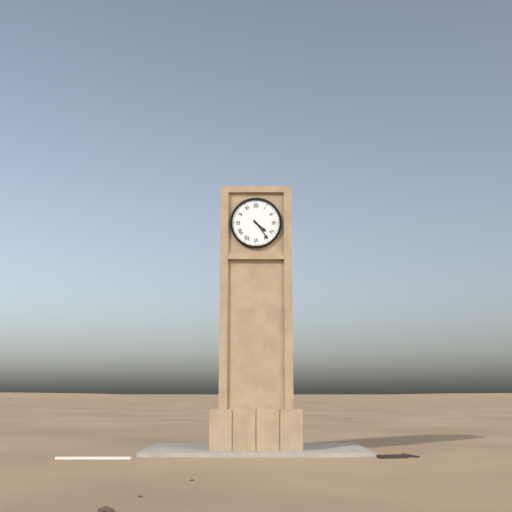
4.24
